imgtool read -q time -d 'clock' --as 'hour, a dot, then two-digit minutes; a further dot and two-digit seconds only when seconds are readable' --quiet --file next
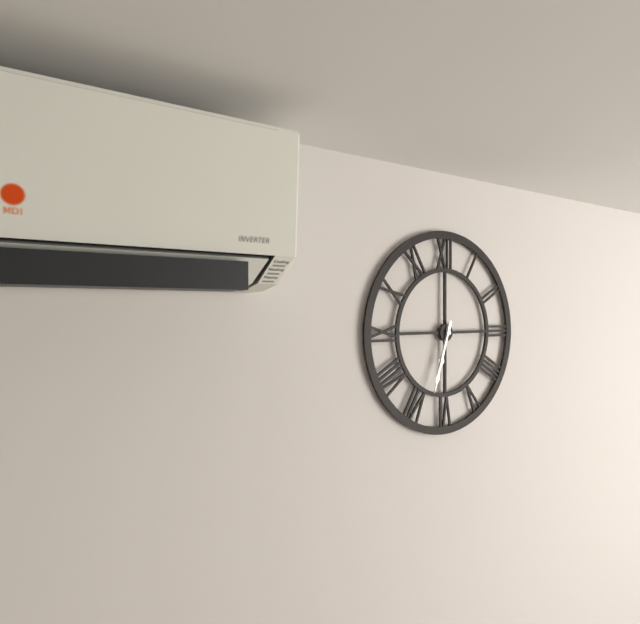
6.33
